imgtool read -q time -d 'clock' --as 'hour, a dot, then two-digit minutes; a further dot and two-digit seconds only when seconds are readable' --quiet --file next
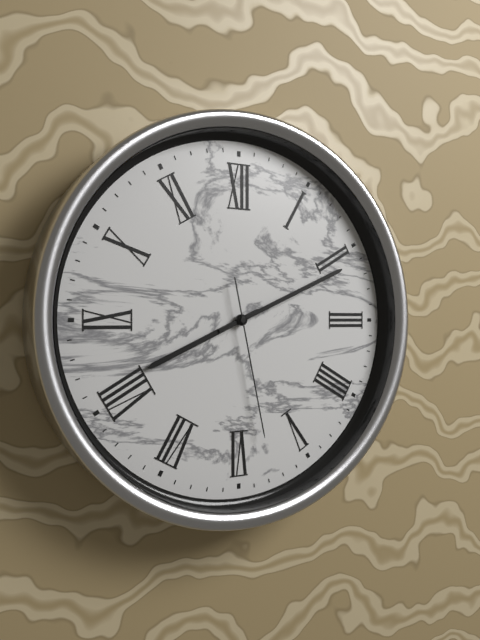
8.11.28
